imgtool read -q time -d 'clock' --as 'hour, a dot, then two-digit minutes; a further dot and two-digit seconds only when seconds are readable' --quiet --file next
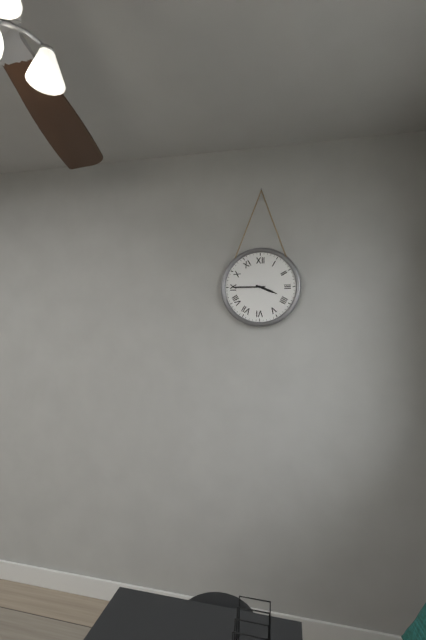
3.45
